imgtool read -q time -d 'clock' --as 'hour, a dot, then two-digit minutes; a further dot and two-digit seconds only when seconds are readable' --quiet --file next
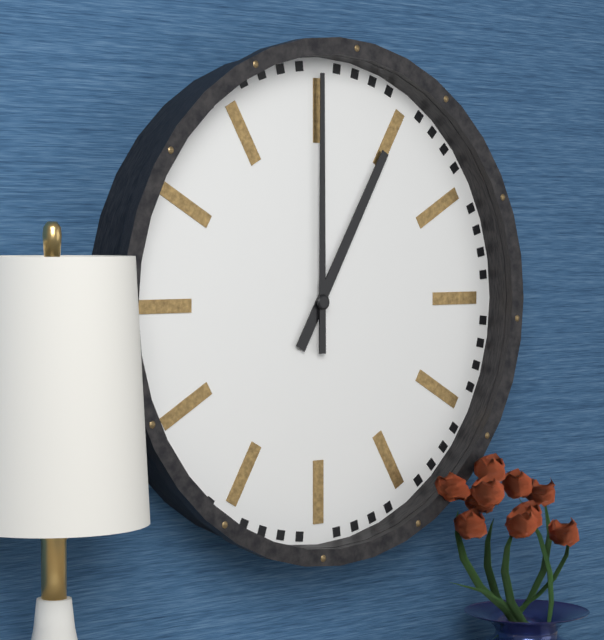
1.00
